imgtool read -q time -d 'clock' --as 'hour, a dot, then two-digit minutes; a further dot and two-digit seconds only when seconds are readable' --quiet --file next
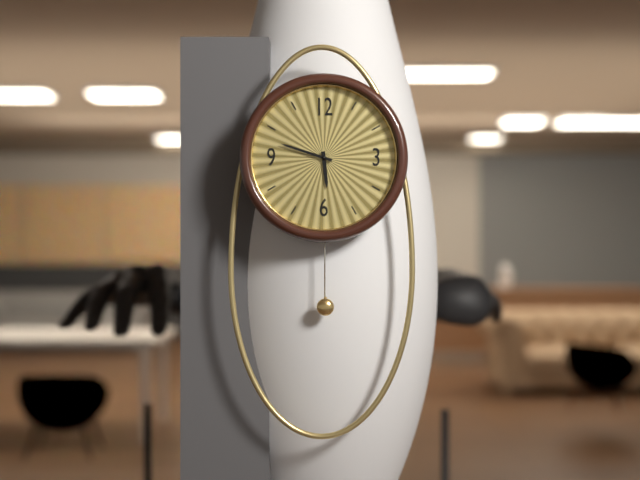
5.48
